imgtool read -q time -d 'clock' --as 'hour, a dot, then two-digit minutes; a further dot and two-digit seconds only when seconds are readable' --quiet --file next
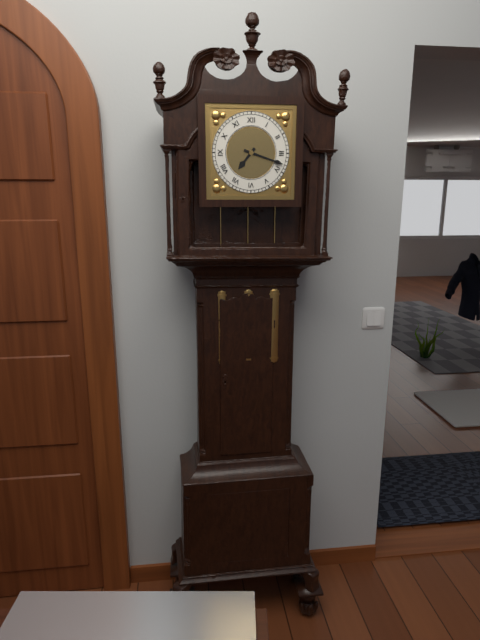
7.18
